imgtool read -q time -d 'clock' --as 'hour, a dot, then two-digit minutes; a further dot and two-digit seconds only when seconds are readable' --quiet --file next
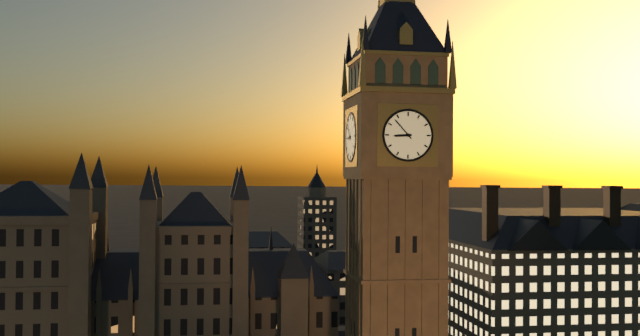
8.53
